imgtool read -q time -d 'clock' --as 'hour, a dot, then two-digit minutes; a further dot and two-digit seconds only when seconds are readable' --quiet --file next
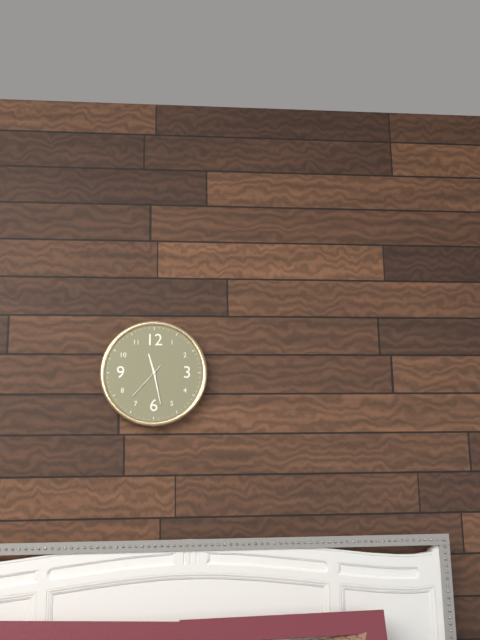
11.28
